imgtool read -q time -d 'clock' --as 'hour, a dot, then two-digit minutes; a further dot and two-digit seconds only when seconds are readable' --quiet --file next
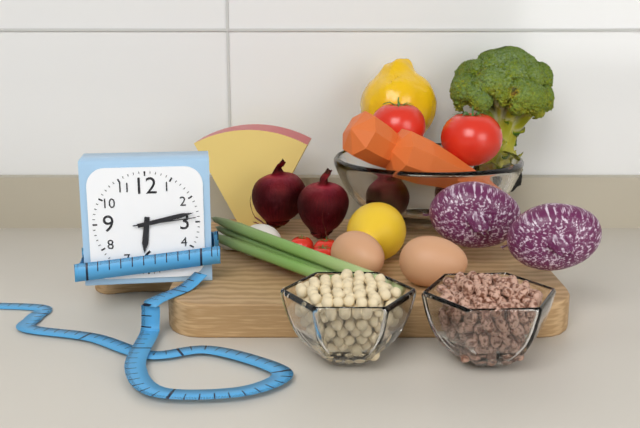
6.13.14
